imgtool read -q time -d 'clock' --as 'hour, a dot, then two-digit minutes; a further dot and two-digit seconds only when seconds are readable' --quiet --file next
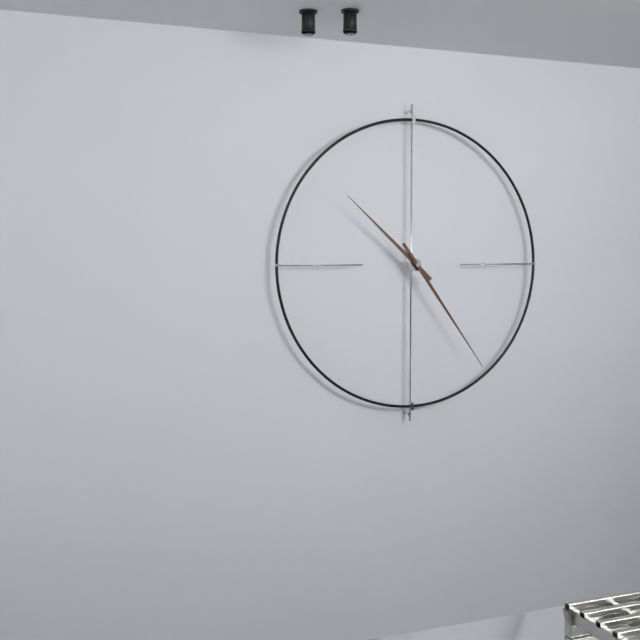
10.24
